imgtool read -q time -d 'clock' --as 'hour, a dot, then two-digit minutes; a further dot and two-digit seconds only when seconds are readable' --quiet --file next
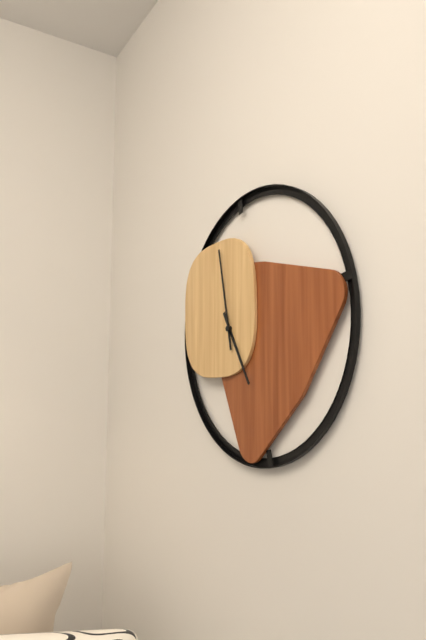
4.58
